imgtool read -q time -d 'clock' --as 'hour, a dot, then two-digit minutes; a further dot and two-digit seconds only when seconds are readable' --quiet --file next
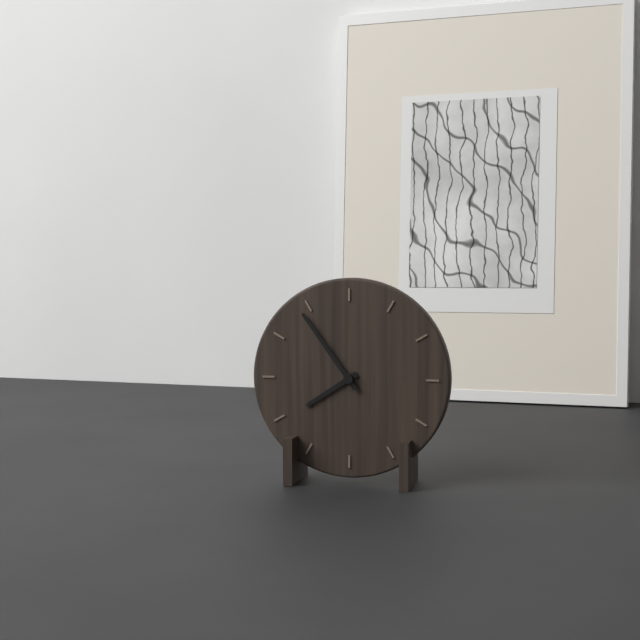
7.54
